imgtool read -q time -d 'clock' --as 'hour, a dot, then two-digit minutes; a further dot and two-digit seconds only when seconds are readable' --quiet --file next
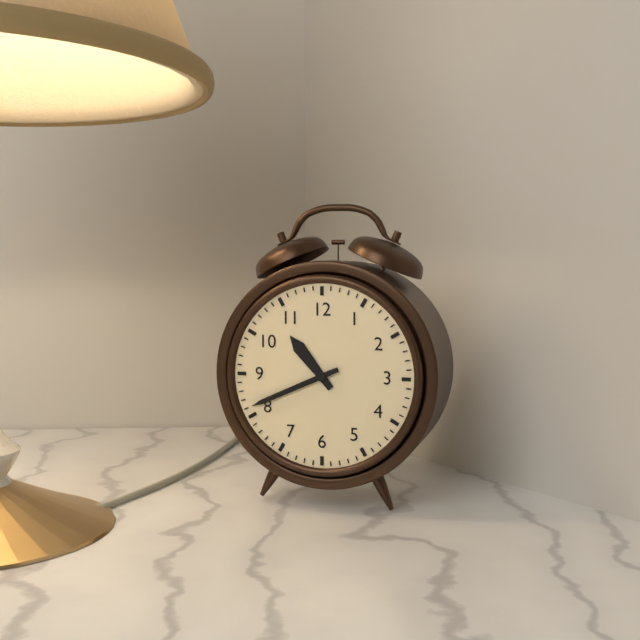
10.41
